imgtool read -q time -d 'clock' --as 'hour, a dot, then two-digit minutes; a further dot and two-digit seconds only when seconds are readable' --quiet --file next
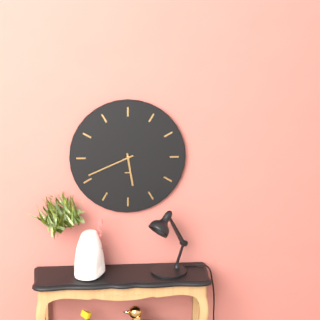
5.41
